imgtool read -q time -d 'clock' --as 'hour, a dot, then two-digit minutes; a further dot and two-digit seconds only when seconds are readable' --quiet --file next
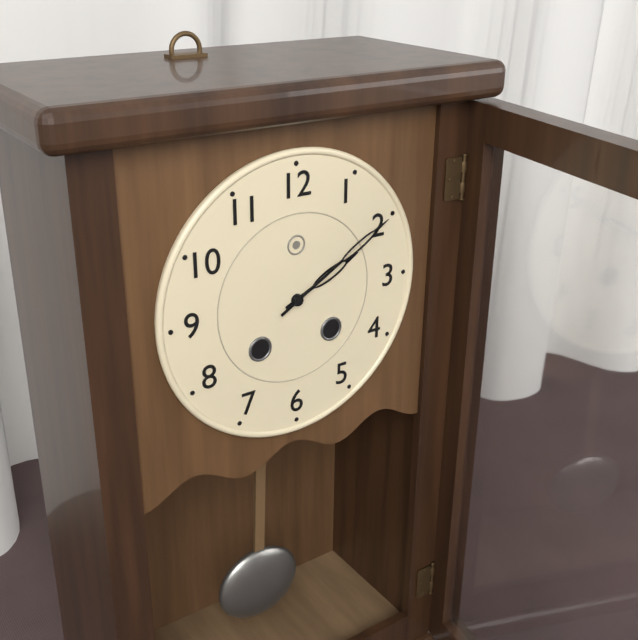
2.10
